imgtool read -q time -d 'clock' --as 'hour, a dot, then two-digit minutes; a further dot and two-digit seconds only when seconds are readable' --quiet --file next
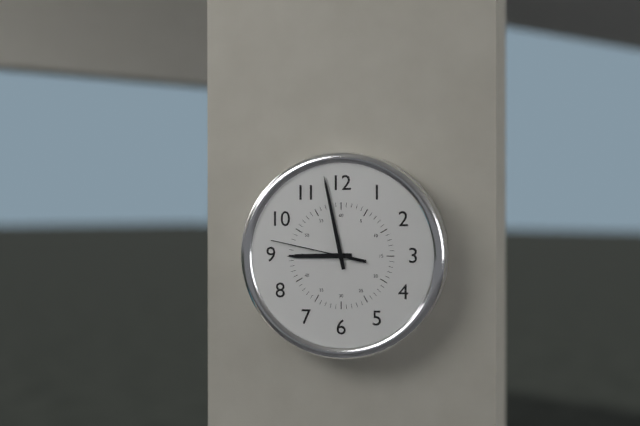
8.58.47
